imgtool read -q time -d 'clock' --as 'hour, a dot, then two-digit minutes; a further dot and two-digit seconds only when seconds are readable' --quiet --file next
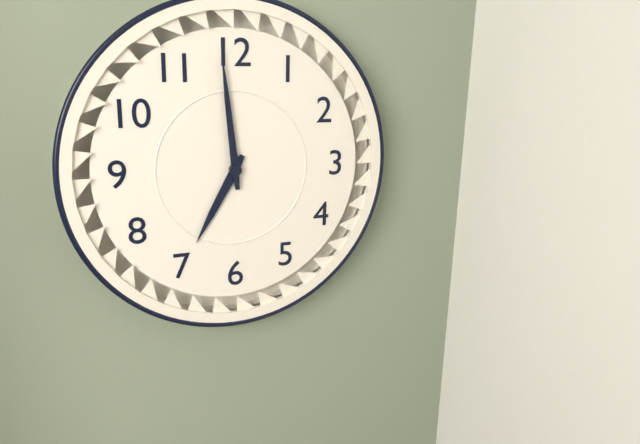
6.59
